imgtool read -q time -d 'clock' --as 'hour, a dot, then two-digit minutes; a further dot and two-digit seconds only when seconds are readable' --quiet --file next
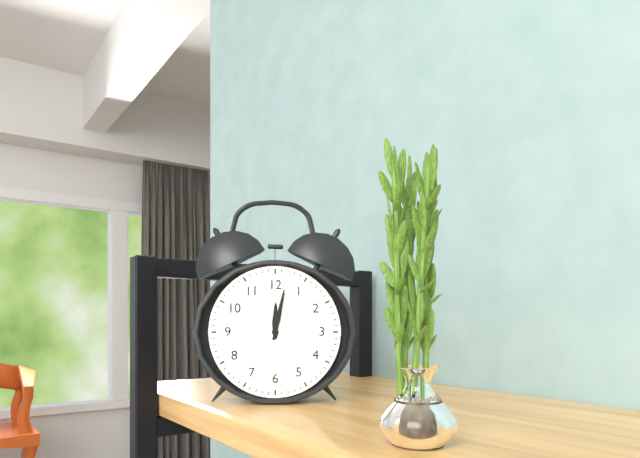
12.02
